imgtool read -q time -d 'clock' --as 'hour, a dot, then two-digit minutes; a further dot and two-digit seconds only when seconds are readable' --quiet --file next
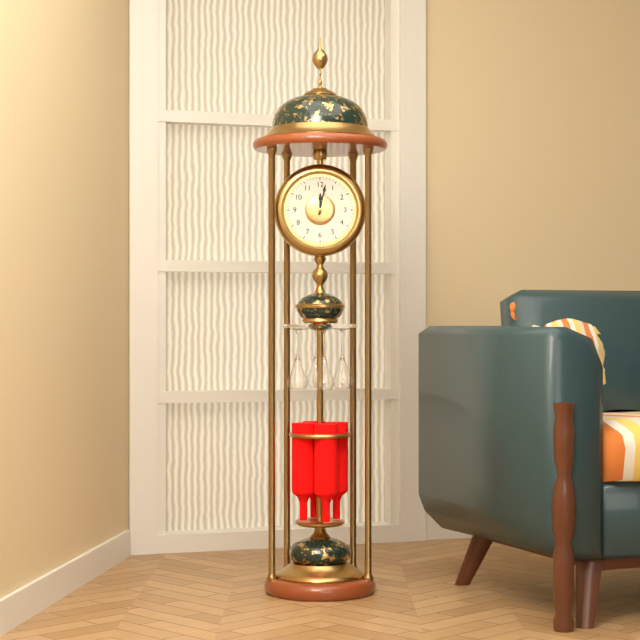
12.02
